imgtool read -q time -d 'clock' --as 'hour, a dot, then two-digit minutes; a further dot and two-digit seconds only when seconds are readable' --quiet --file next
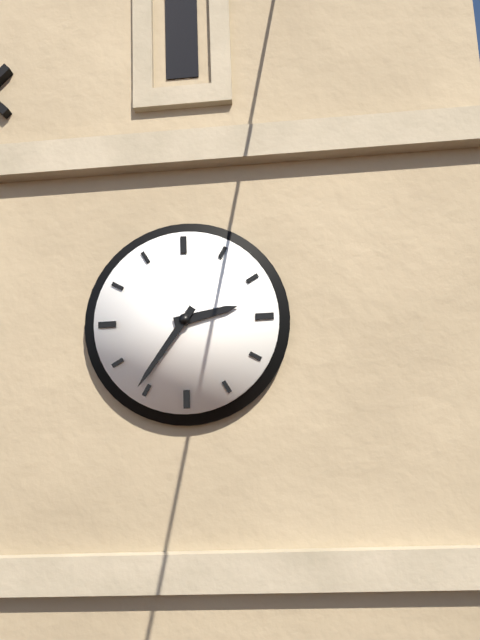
2.36
